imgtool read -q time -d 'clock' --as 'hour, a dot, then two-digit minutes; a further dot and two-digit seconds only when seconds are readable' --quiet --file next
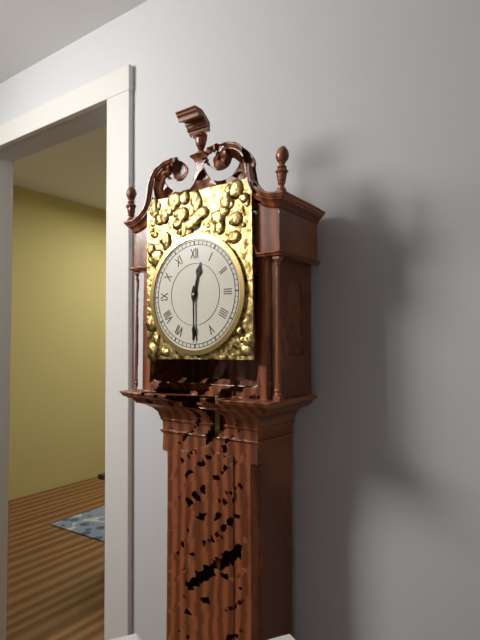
12.30
